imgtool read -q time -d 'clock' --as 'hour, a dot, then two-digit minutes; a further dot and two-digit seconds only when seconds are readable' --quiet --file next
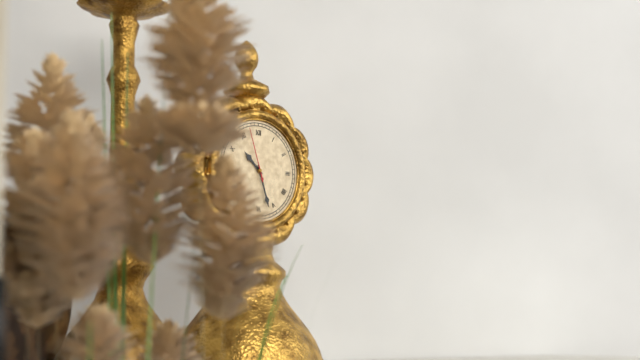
10.27.57
